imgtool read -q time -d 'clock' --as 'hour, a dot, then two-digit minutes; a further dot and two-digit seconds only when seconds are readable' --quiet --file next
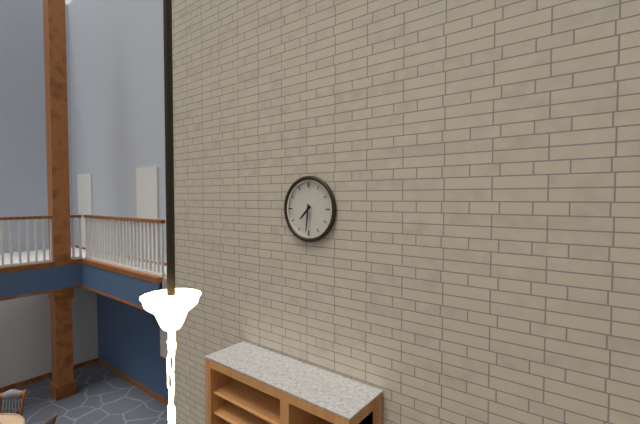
7.31
